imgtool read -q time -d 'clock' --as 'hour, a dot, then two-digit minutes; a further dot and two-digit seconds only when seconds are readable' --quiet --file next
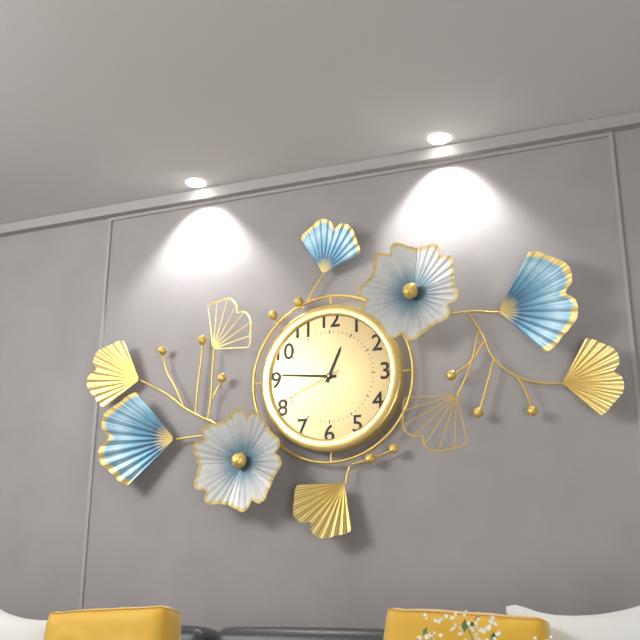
12.46.41
